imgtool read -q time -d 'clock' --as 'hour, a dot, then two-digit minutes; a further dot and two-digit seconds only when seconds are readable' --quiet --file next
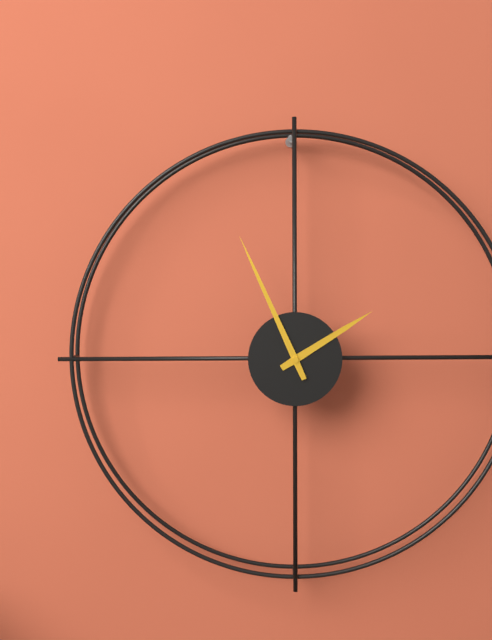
1.56
